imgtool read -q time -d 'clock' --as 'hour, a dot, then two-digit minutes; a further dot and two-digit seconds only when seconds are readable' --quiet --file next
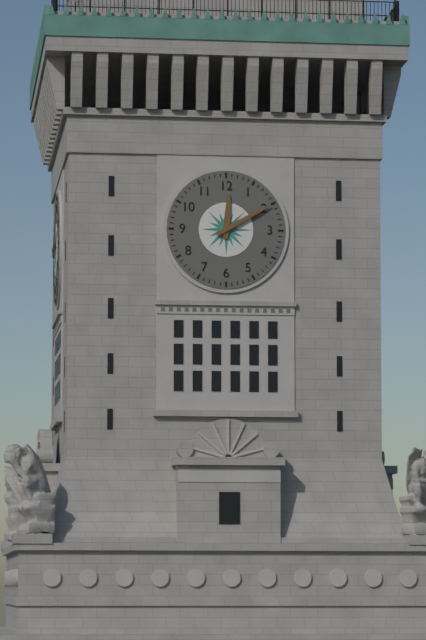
12.10
